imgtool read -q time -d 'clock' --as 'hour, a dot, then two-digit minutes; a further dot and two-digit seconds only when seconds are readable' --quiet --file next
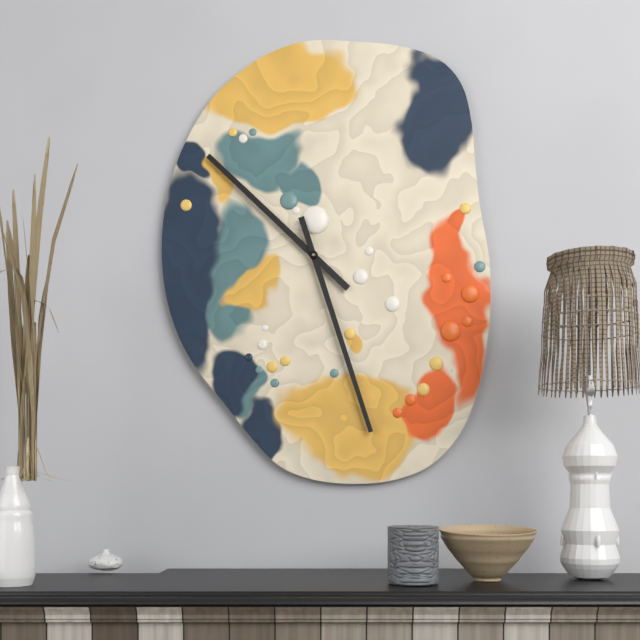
10.27
